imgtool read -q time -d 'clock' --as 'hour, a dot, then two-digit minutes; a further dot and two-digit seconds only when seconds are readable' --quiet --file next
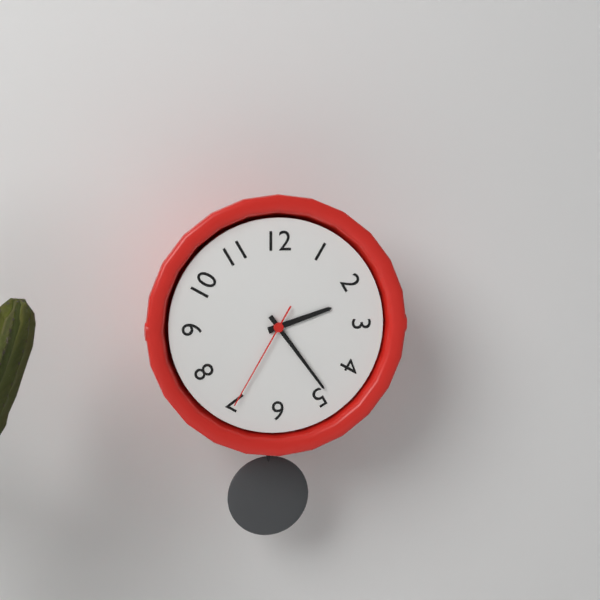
2.24.35
